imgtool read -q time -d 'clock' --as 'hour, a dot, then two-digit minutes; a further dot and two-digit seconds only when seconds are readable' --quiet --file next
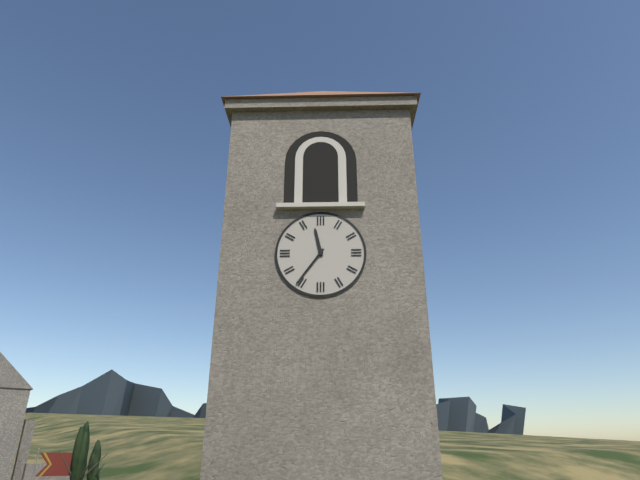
11.36
